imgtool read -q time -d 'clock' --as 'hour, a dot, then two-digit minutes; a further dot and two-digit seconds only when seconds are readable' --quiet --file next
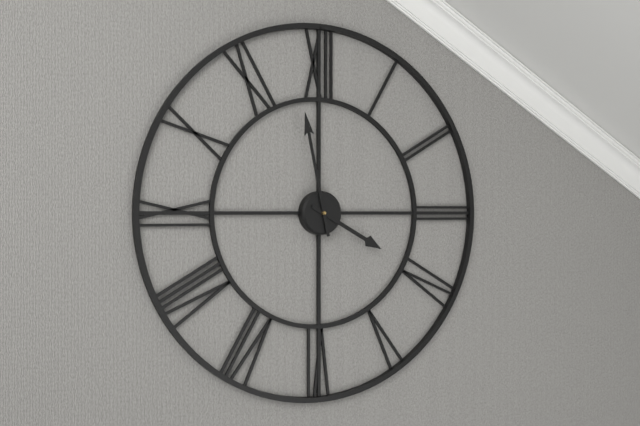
3.58
